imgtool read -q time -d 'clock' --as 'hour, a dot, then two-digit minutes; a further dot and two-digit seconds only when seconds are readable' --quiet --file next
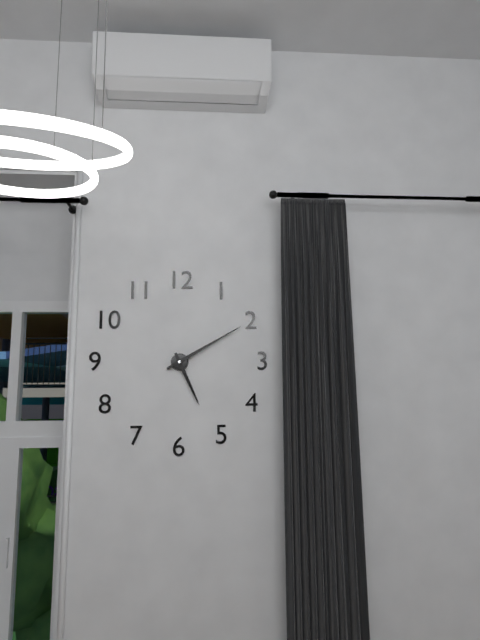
5.10
